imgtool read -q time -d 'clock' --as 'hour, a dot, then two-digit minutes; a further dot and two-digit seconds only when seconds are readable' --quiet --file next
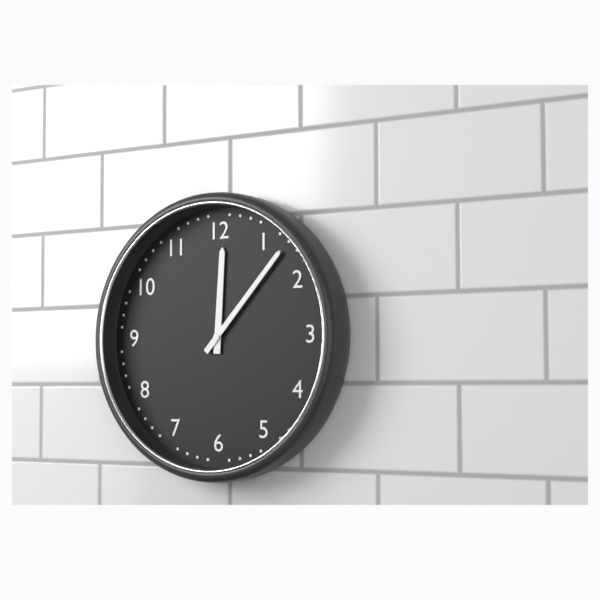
12.07
